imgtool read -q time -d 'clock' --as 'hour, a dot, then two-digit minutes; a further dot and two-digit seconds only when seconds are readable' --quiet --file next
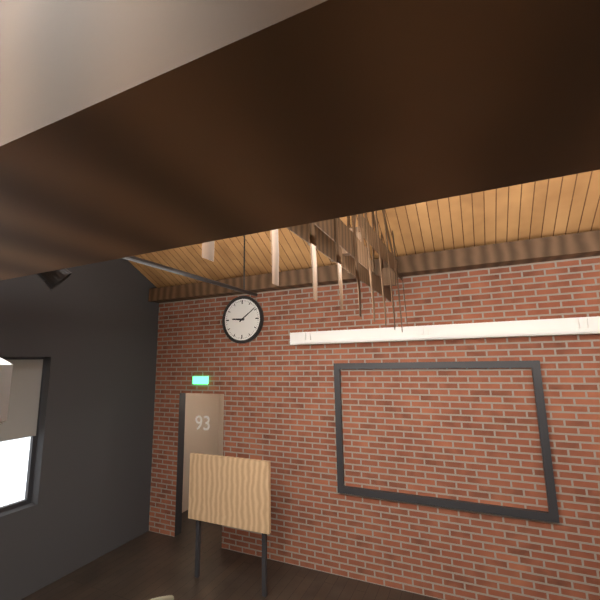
9.09
